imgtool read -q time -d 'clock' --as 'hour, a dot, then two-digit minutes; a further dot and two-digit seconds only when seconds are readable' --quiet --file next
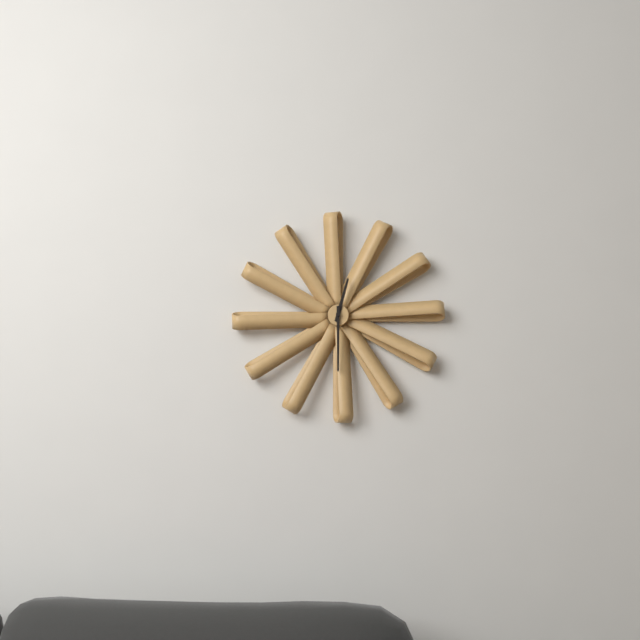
12.30
